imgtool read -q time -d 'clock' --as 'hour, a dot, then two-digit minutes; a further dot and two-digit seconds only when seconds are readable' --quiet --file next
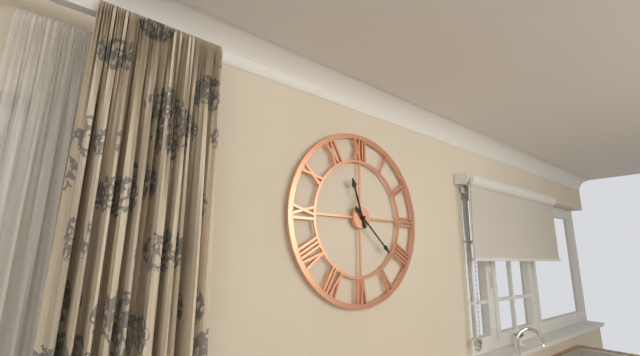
11.22
